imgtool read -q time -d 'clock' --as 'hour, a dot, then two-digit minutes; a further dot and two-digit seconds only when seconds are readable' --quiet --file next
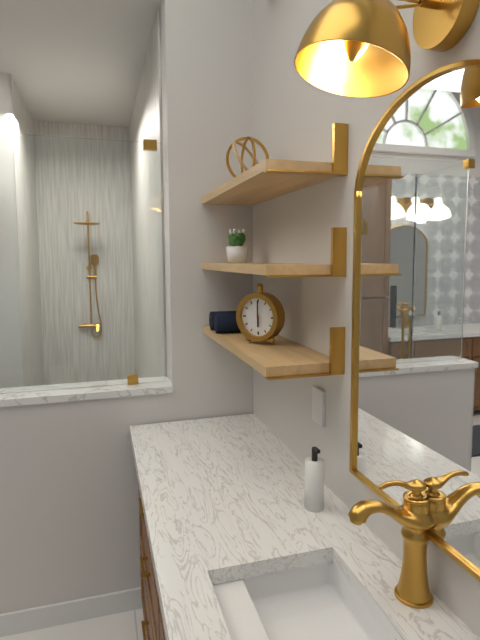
6.00
